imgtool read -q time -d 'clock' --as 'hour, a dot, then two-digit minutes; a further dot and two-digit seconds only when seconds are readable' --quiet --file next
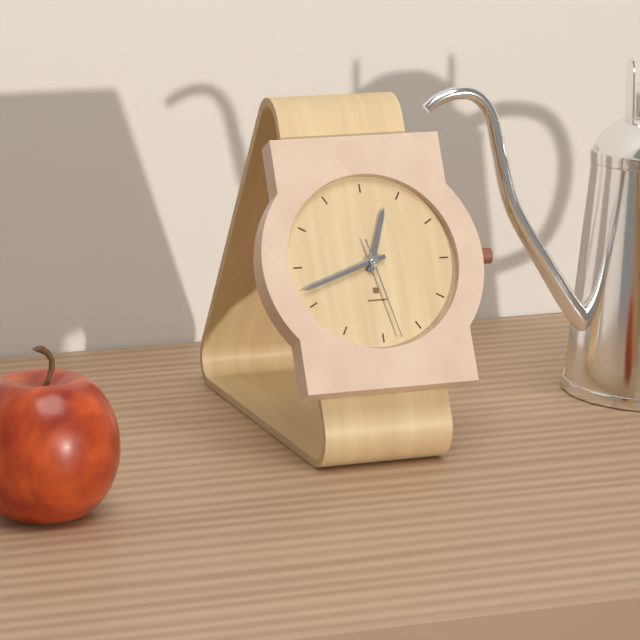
12.42.28
